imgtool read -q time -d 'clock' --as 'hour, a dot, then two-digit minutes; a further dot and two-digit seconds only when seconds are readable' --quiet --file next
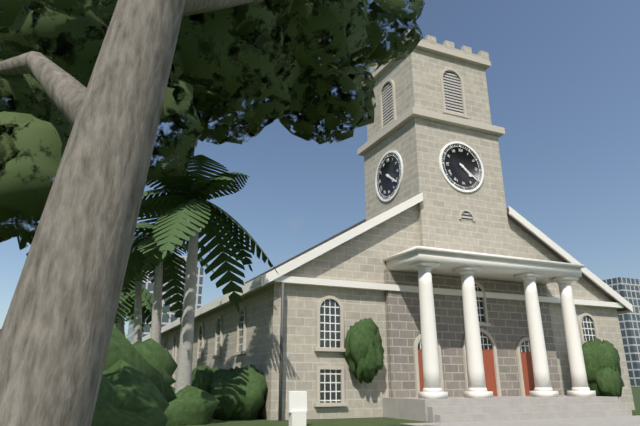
4.21
